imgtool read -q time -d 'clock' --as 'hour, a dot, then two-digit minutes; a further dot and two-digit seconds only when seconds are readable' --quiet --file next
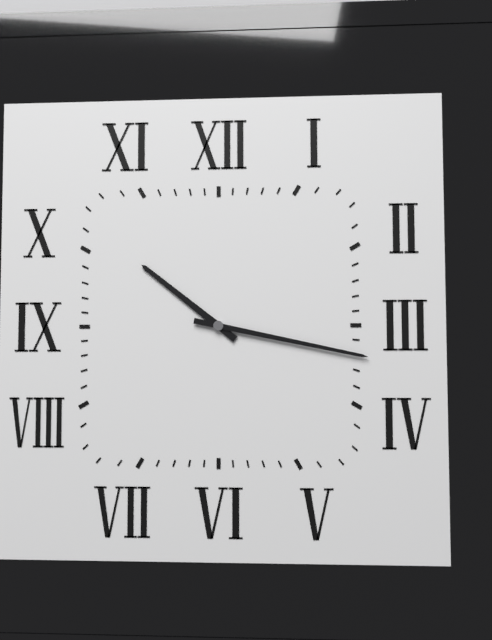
10.17
